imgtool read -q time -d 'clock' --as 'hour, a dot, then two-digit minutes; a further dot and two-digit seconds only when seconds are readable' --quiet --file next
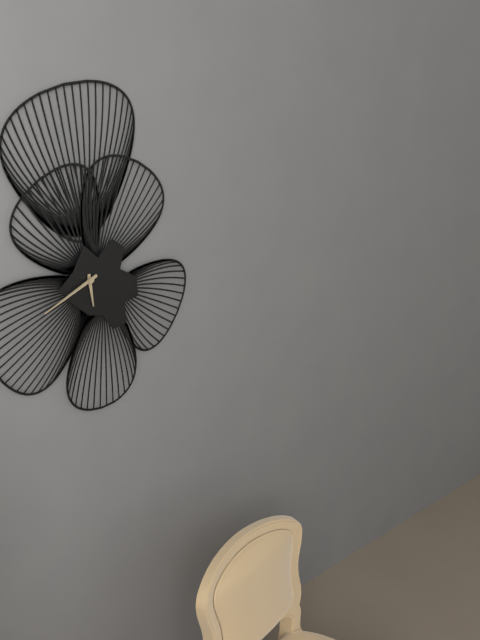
5.41
